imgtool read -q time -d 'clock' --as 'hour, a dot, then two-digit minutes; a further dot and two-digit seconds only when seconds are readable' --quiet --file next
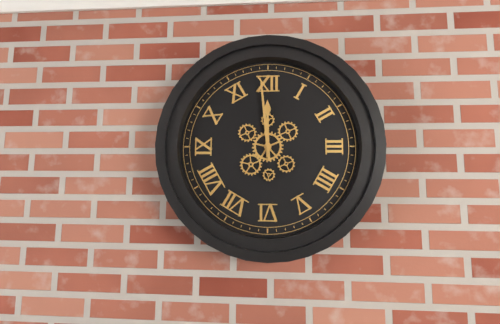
11.59
